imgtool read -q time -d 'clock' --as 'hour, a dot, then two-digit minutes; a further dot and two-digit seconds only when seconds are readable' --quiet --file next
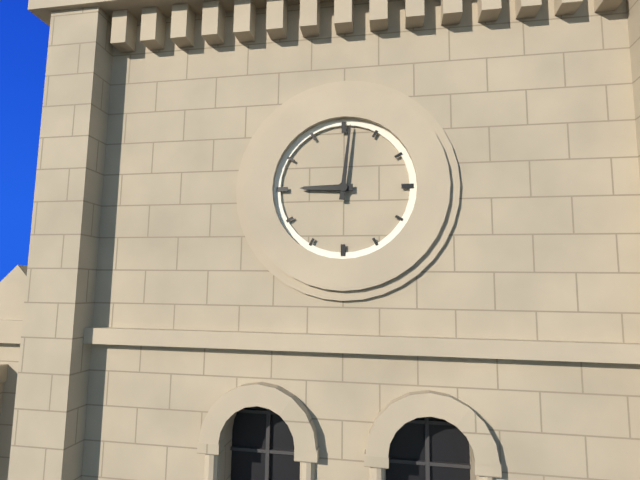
9.01
